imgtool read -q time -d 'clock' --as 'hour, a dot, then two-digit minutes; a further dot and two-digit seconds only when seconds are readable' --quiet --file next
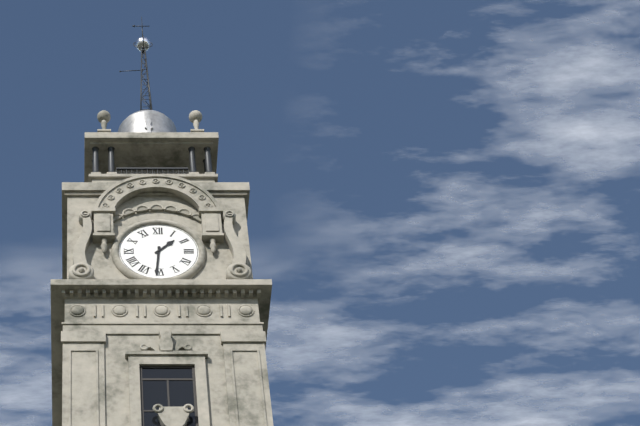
1.31
